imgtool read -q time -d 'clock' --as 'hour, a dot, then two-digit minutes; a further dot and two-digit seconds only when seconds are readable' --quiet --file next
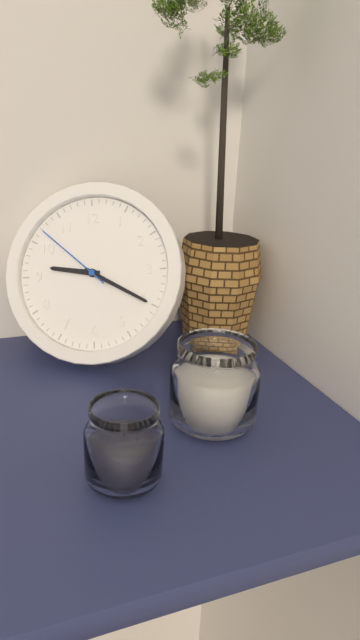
9.20.52
